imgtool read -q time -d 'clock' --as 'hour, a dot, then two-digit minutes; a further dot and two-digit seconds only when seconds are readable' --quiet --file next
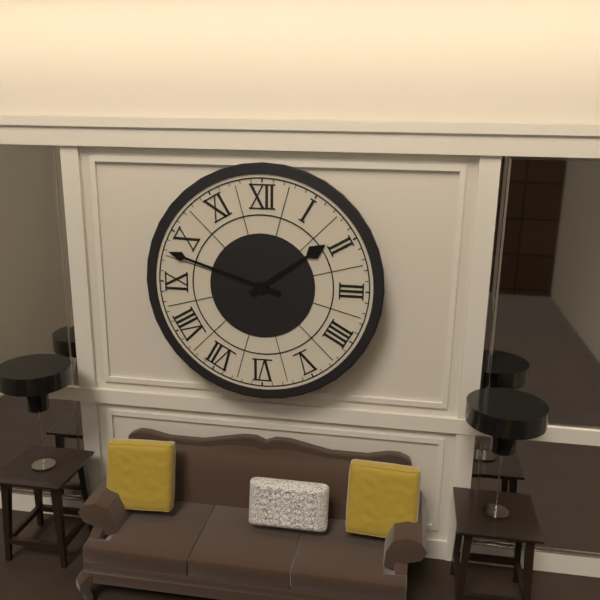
1.48
